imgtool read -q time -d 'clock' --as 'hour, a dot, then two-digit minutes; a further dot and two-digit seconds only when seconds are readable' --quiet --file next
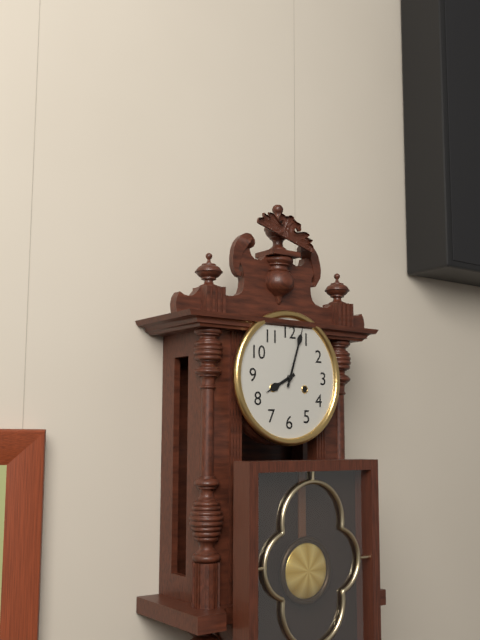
8.03
